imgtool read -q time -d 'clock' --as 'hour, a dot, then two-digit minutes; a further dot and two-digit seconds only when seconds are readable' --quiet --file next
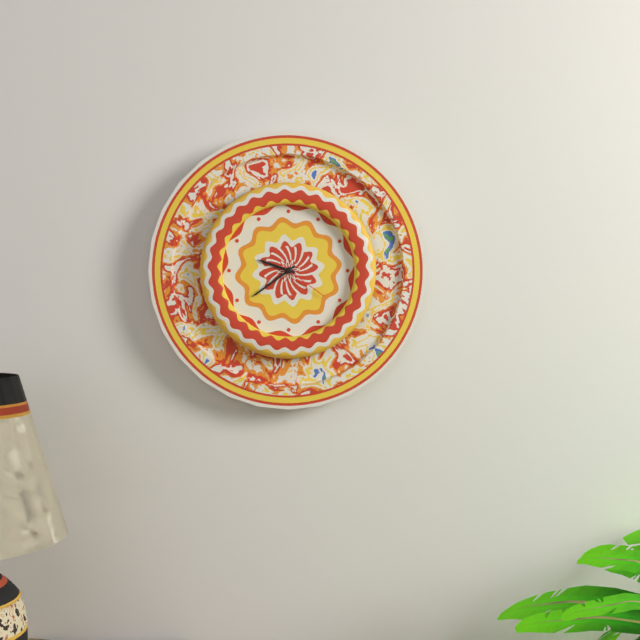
9.39.21
